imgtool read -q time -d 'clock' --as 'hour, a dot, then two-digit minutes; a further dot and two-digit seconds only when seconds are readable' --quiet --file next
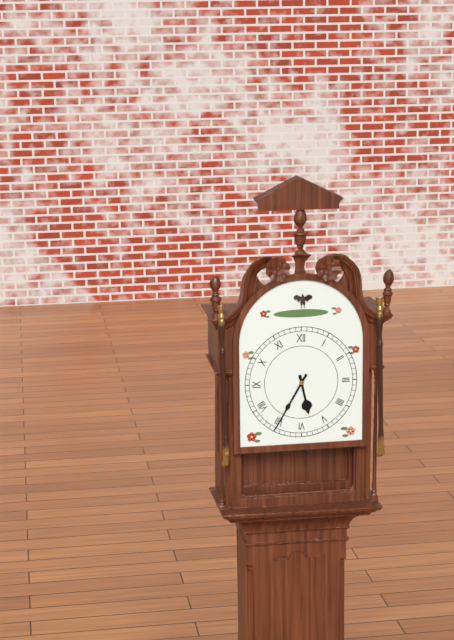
5.35
